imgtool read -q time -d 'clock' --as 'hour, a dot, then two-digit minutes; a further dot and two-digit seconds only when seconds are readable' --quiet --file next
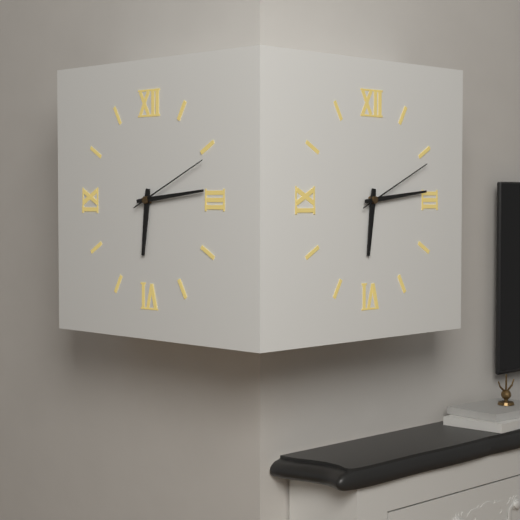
6.14.11
